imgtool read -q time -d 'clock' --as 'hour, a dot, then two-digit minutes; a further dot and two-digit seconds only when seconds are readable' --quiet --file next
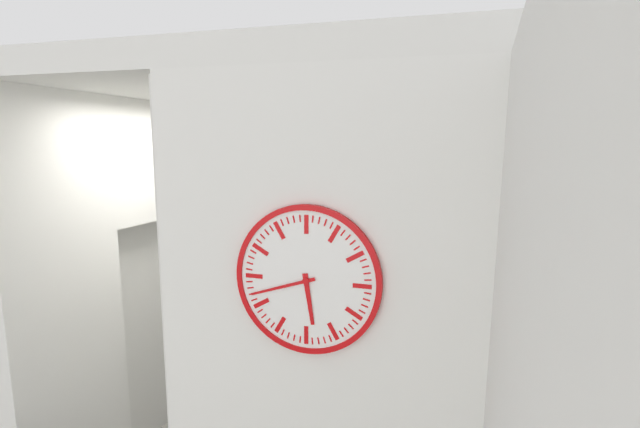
5.42
